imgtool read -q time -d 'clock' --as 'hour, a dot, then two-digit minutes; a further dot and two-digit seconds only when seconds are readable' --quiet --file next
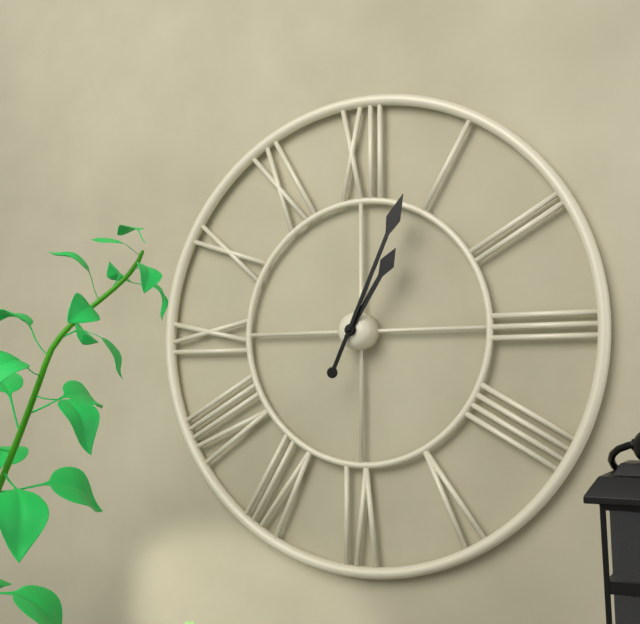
1.04
